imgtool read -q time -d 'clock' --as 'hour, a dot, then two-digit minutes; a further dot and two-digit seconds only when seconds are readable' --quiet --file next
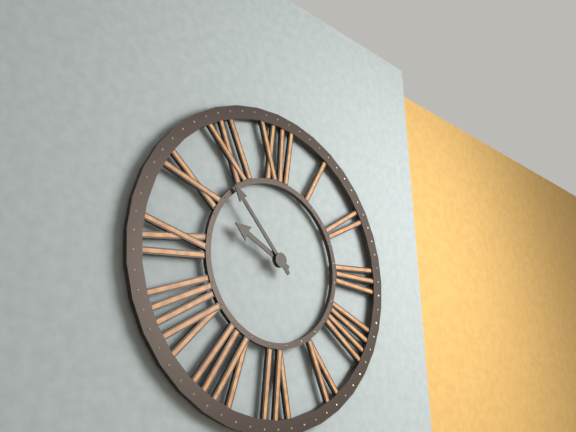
9.53
